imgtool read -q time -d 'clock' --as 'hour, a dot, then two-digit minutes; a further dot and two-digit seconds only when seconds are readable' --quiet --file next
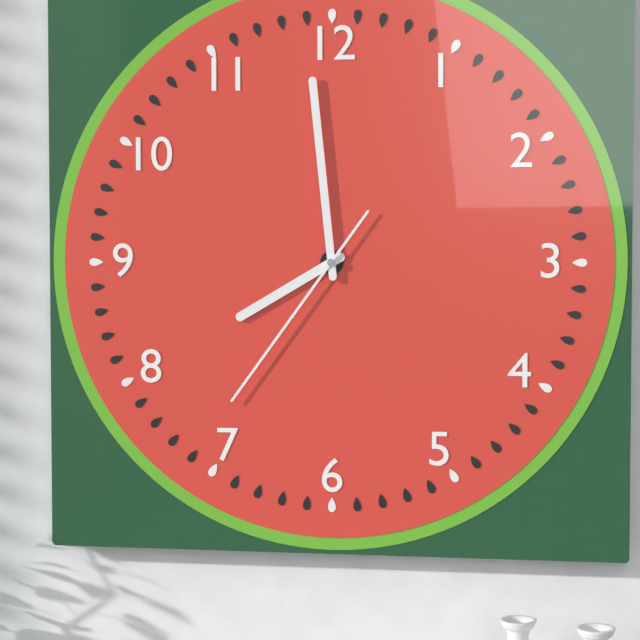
7.59.36
